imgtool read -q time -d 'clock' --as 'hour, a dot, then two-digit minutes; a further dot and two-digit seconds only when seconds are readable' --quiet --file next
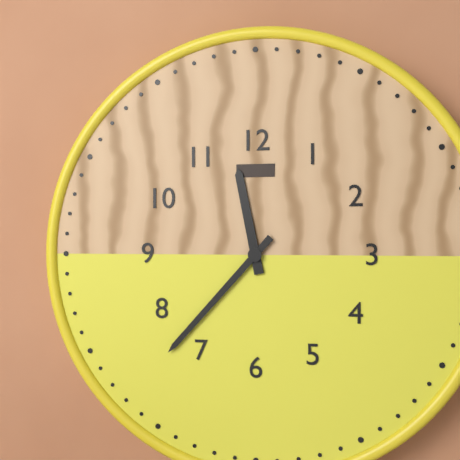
11.37
